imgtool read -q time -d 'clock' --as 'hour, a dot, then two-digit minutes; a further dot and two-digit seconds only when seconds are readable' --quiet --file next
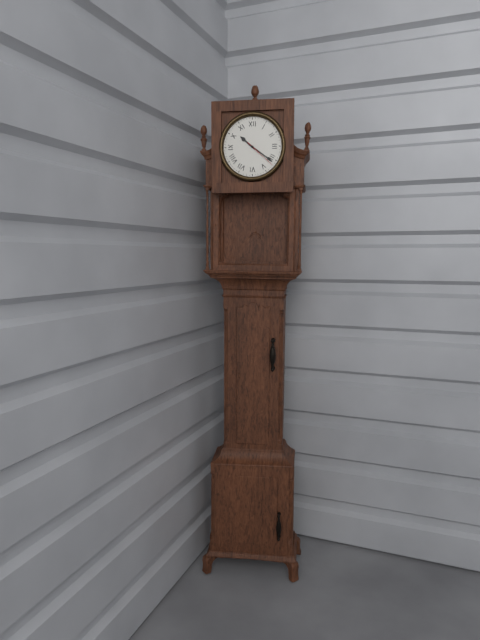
10.21
